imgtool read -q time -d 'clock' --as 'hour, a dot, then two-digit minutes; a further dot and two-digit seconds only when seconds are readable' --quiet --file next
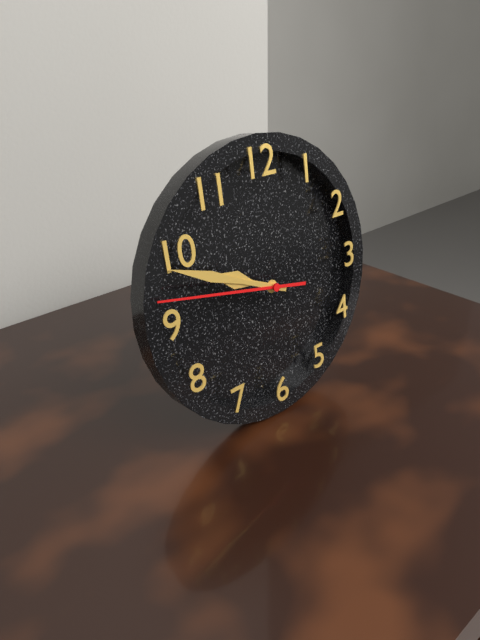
9.49.47
